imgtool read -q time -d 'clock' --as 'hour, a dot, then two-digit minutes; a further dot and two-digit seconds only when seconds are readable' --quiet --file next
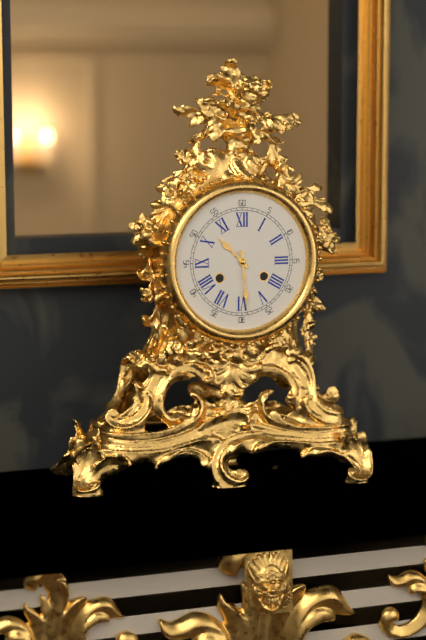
10.29
